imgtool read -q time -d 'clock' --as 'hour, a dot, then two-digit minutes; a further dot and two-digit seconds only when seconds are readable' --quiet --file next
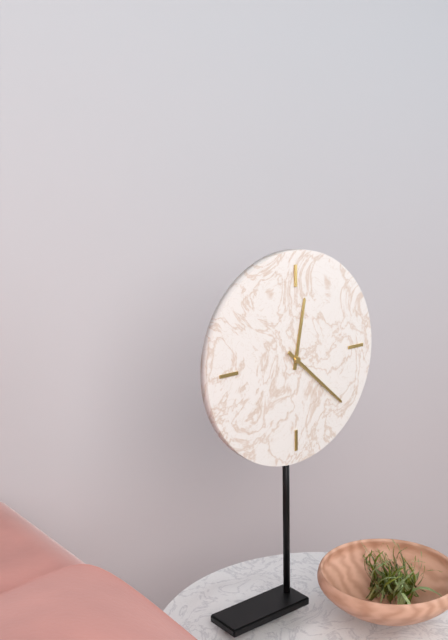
12.22
